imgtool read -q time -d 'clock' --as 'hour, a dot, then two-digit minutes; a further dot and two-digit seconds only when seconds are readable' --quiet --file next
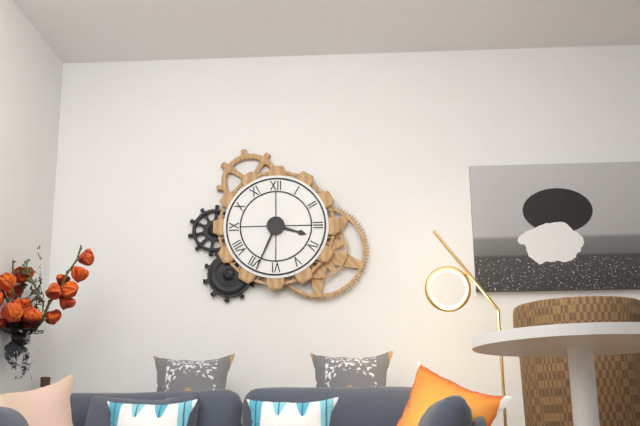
3.34
